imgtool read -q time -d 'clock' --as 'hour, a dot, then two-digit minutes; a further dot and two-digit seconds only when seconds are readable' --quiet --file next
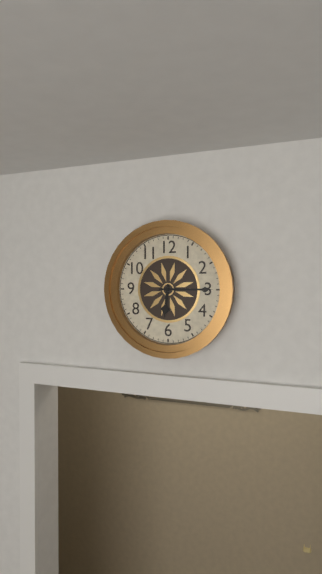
6.15
